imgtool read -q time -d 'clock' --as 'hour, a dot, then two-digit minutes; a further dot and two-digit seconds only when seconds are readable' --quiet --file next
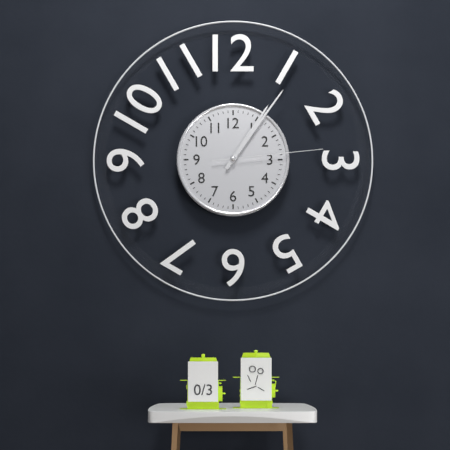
1.06.14
